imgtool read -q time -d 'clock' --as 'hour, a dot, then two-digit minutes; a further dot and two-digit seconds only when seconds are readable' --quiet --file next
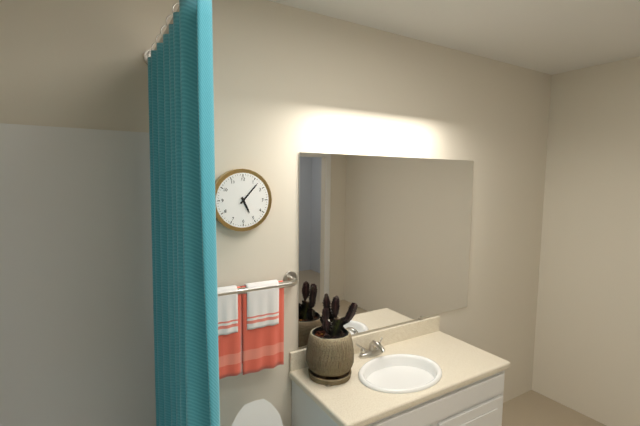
5.07
